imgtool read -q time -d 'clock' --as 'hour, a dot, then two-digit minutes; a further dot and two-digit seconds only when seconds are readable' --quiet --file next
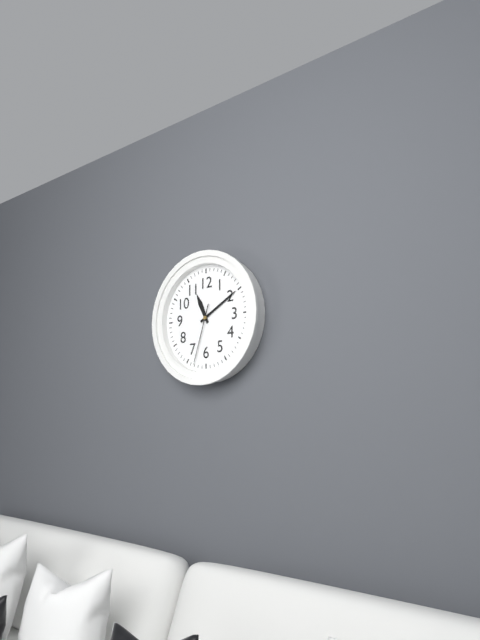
11.10.33
